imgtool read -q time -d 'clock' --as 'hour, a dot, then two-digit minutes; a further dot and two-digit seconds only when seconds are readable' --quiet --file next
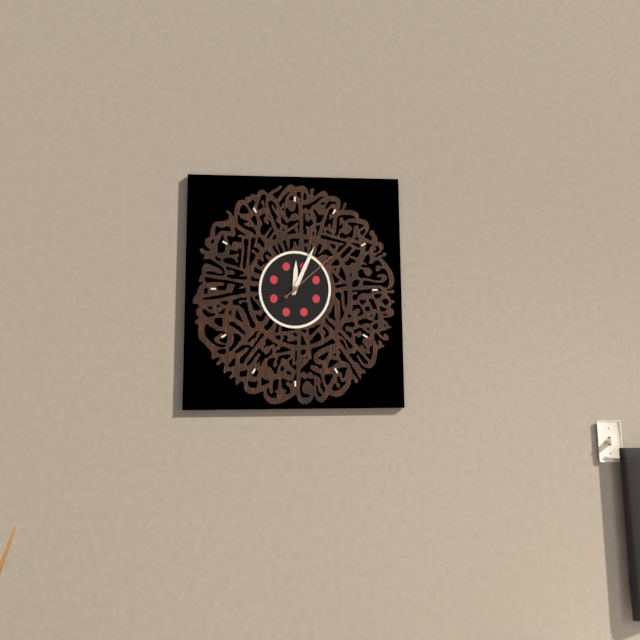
12.04.08
